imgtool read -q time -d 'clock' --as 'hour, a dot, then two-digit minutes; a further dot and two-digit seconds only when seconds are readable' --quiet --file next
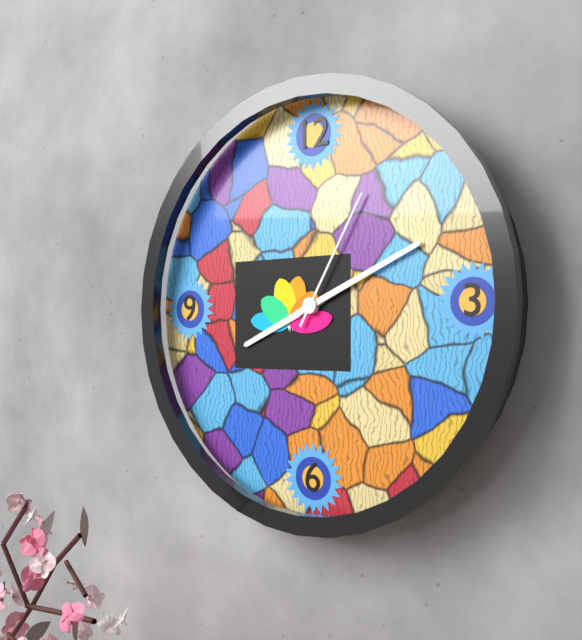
8.11.05
